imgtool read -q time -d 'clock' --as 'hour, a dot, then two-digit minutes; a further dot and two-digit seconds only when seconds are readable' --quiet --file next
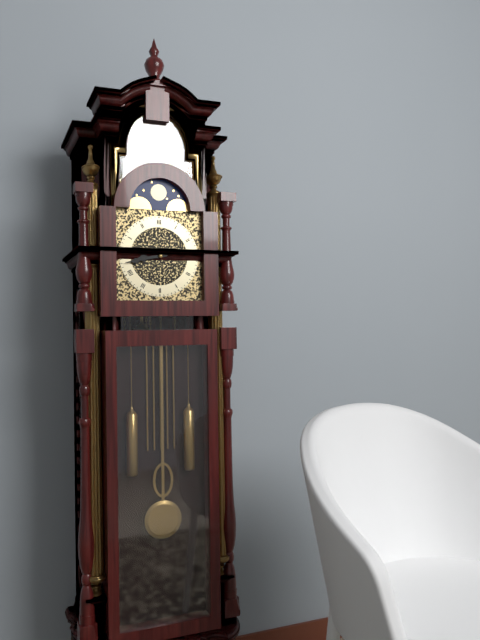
8.43
